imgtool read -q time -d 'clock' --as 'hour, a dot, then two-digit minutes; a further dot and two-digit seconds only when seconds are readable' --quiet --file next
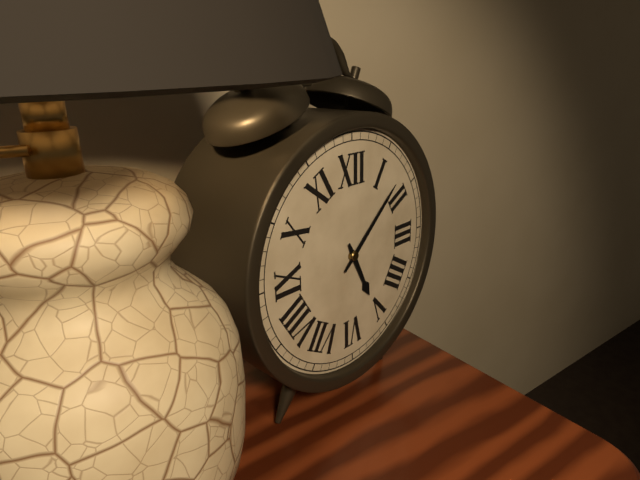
5.08
